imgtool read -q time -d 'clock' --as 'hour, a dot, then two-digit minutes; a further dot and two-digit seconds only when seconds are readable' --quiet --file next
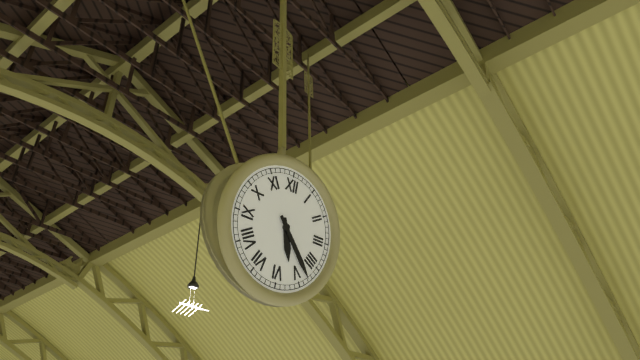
5.23
